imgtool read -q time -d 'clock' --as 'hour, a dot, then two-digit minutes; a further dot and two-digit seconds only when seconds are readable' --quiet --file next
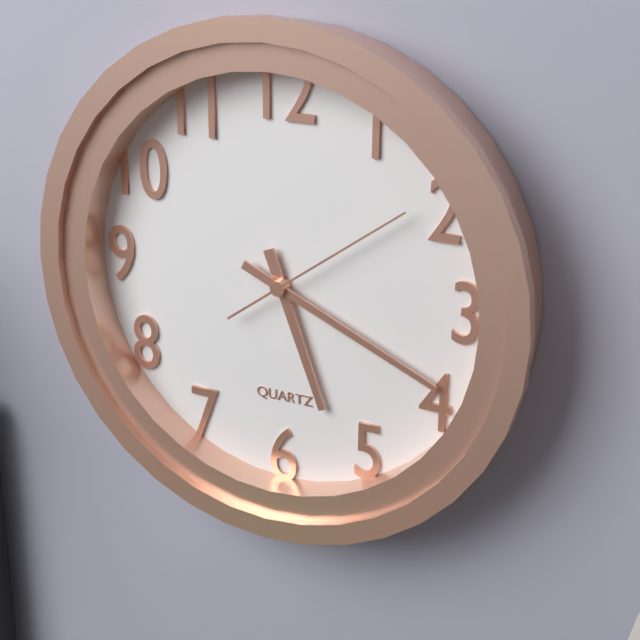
5.19.09
